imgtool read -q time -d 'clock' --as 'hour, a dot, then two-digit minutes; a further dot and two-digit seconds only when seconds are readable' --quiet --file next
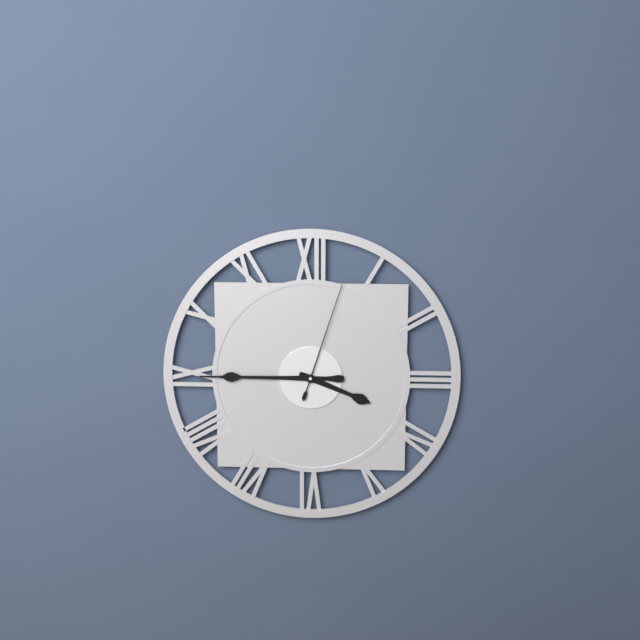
3.45.03
